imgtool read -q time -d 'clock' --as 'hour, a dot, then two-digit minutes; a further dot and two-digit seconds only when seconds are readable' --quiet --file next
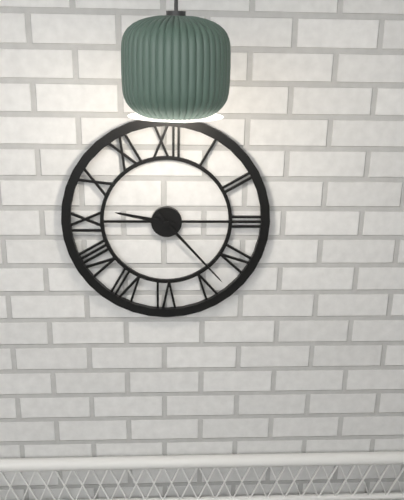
9.23
